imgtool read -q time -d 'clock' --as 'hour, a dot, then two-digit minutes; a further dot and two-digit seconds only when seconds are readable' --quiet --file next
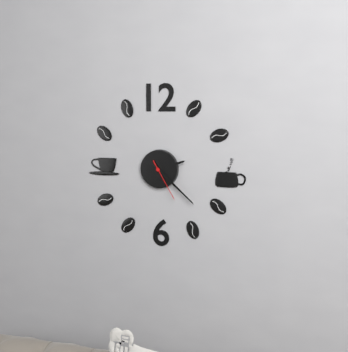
2.22
